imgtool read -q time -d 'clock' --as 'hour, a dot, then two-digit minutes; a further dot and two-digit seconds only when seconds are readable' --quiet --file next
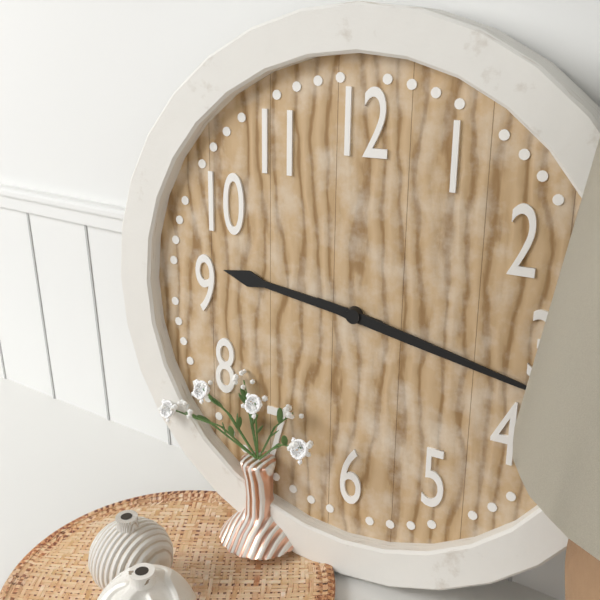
9.17
